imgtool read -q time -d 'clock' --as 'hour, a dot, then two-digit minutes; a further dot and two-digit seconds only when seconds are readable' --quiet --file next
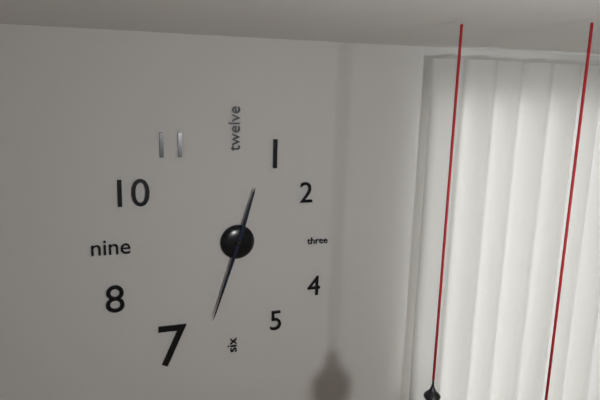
12.33
